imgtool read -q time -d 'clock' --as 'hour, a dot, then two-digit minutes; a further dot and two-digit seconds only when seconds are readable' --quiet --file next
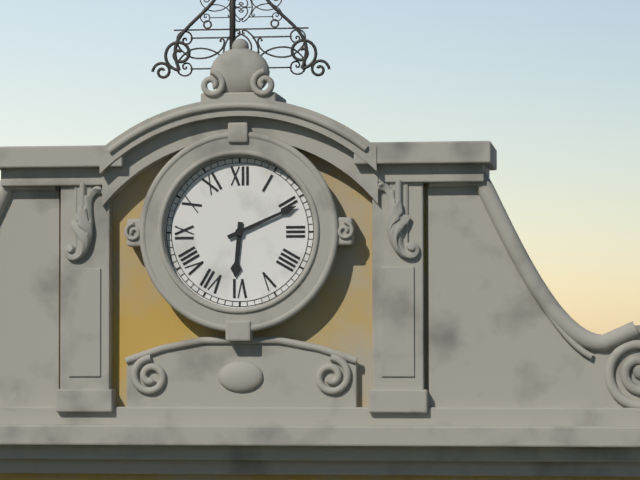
6.11
